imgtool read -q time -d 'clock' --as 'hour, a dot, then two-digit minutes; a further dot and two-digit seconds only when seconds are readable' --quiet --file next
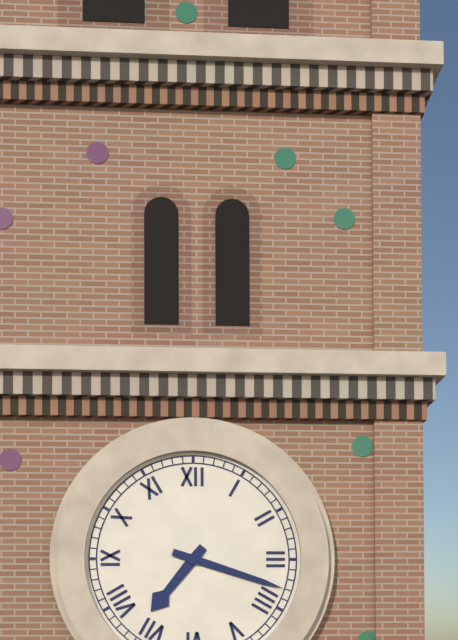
7.18
